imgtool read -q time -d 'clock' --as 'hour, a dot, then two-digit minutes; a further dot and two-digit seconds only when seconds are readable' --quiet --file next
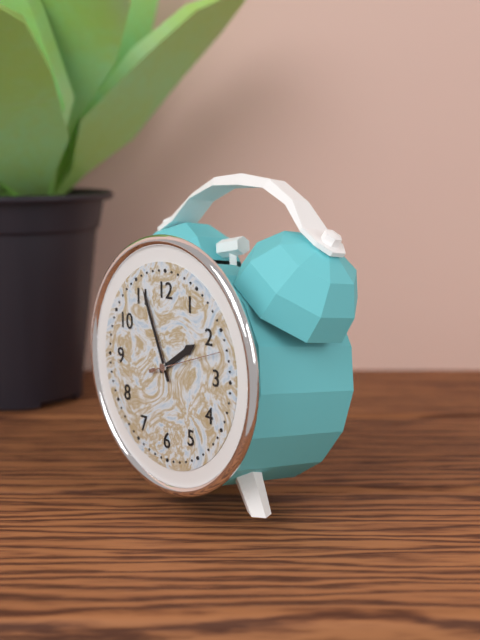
1.56.12
